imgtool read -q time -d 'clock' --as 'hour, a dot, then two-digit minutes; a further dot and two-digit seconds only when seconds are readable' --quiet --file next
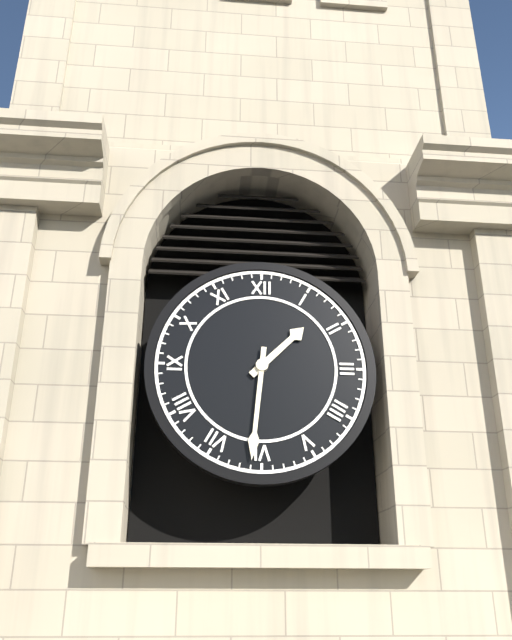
1.31
